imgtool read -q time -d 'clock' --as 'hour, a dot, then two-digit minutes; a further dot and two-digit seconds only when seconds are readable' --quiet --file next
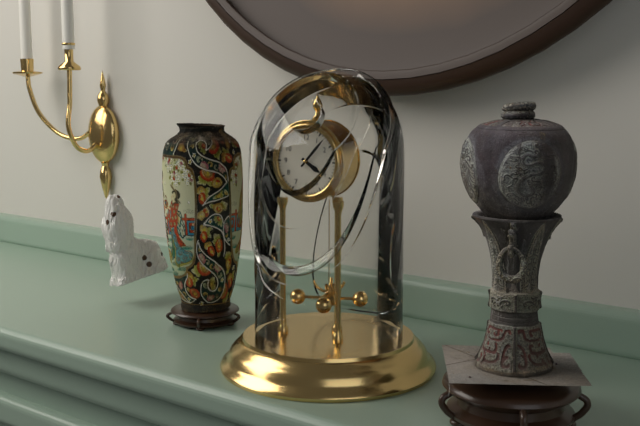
4.07
